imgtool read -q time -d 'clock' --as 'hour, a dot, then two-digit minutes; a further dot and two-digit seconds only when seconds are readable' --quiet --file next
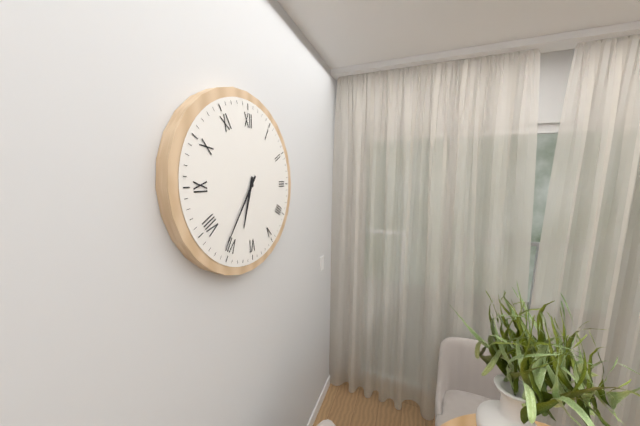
6.36
